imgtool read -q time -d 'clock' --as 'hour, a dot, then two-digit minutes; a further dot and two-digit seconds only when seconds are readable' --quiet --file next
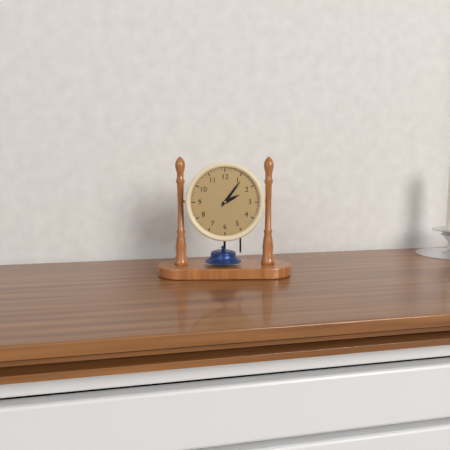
2.06
